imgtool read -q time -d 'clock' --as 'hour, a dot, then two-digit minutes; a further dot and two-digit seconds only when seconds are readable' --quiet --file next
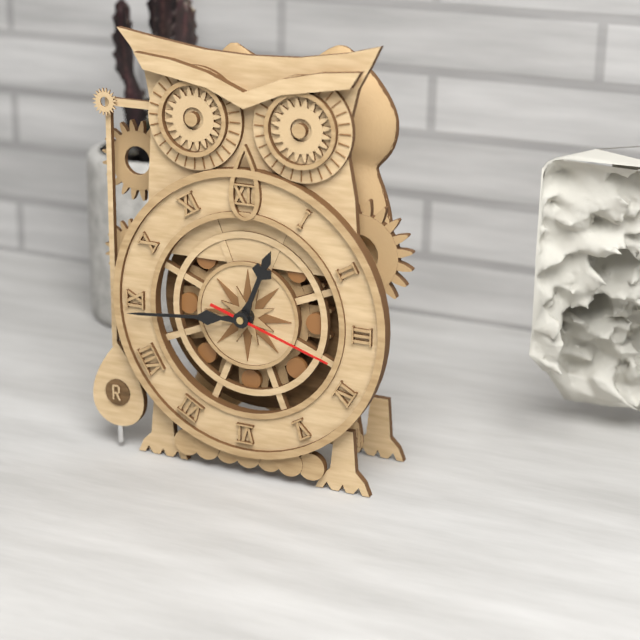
12.44.18
